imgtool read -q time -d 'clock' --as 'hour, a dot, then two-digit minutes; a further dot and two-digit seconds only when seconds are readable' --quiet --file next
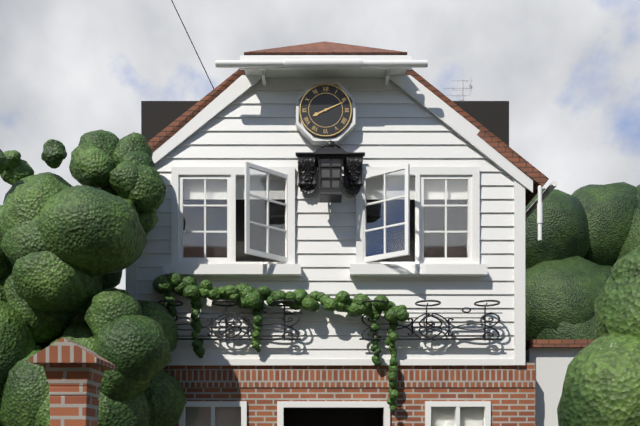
8.11
